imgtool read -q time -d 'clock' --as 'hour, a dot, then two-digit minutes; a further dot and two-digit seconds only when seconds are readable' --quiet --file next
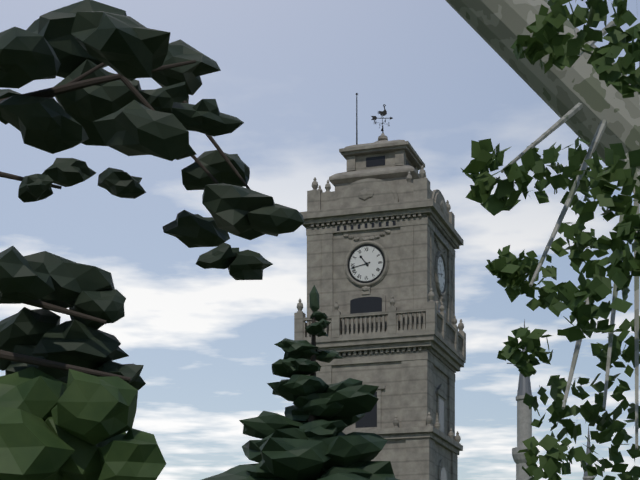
10.43
